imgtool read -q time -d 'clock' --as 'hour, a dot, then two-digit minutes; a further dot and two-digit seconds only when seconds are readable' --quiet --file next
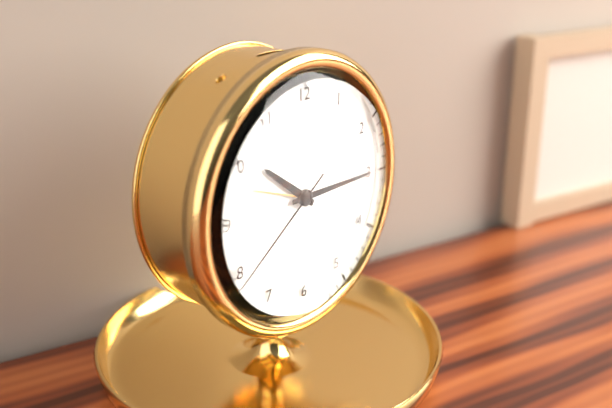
10.15.39
